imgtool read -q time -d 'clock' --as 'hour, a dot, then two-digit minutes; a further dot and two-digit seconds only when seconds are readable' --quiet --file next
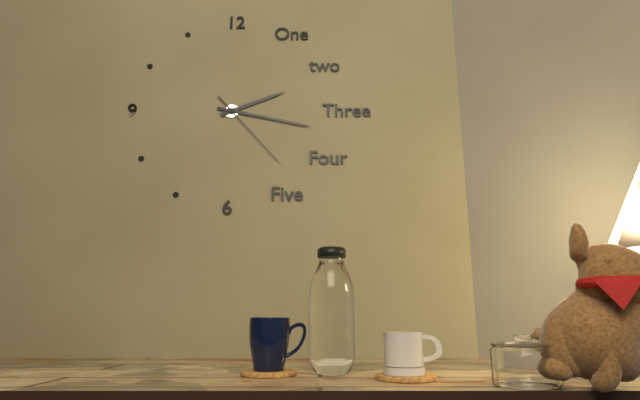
2.17.23
